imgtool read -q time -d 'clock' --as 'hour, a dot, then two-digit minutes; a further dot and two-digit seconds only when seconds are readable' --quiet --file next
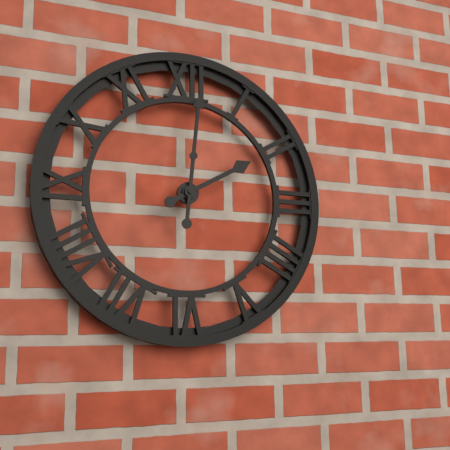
2.01
